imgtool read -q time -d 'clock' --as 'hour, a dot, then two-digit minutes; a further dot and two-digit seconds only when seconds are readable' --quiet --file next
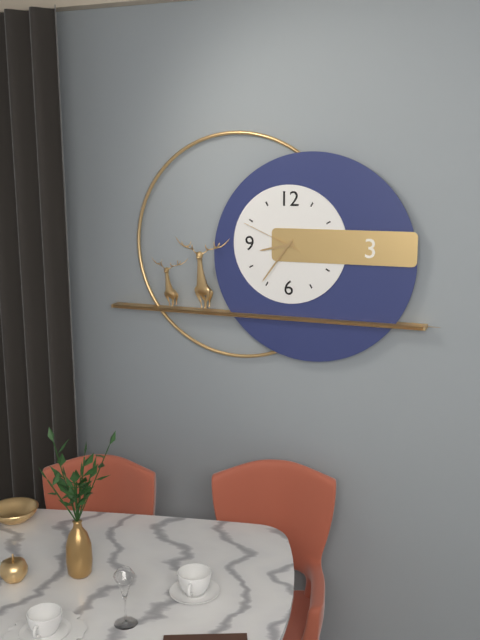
8.36.49
